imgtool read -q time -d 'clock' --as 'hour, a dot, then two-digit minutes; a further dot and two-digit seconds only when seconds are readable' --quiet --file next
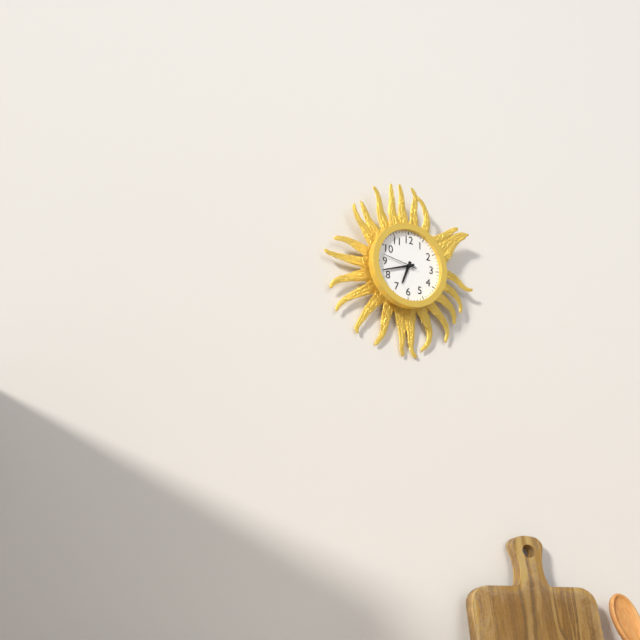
6.42
